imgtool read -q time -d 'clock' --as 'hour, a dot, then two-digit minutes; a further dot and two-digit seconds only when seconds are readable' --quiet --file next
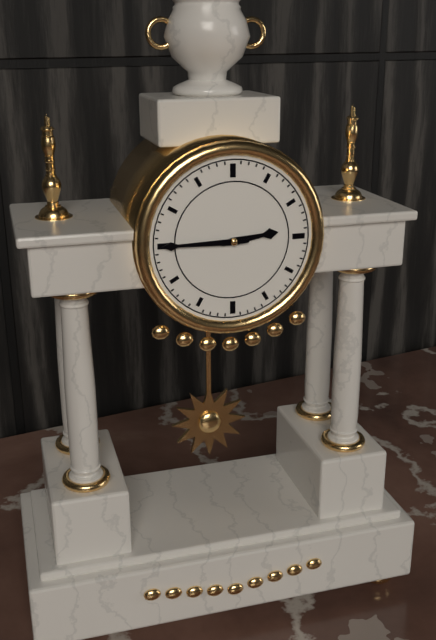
2.45
